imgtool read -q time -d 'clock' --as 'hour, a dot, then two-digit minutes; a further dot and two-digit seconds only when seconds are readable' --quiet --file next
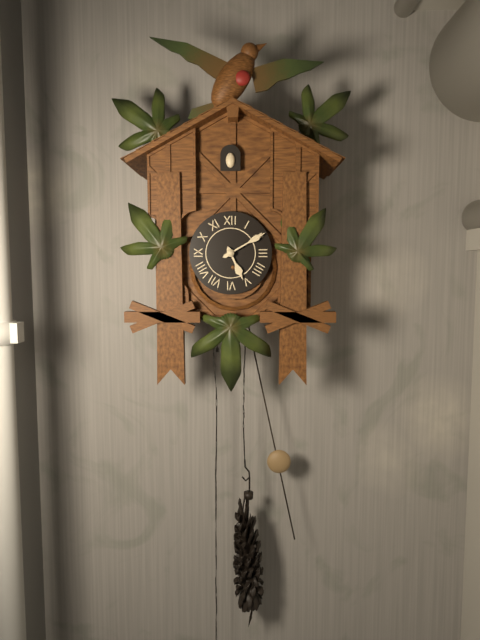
5.10
